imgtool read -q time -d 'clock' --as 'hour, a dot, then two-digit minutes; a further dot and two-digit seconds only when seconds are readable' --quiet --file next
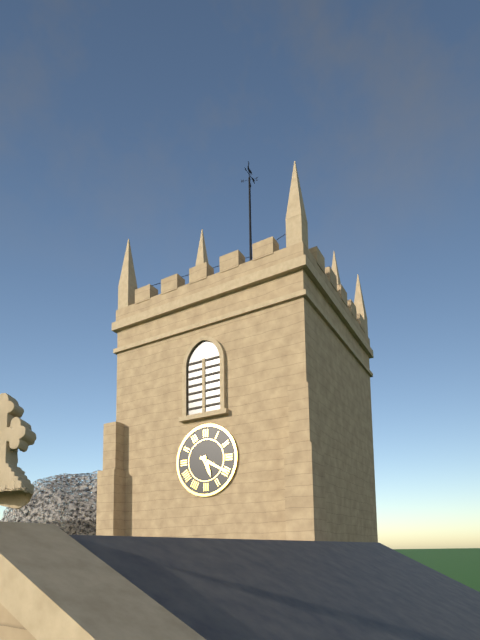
5.20
